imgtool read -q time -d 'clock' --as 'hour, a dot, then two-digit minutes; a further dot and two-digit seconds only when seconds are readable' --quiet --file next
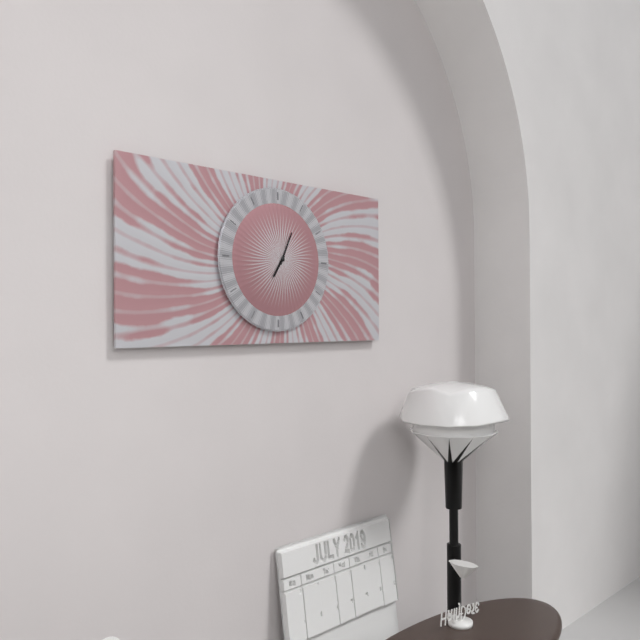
7.04
